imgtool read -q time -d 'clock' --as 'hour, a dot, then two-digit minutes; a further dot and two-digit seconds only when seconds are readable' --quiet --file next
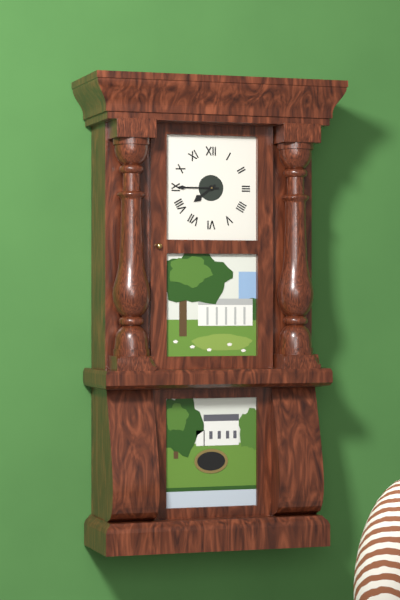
7.45
